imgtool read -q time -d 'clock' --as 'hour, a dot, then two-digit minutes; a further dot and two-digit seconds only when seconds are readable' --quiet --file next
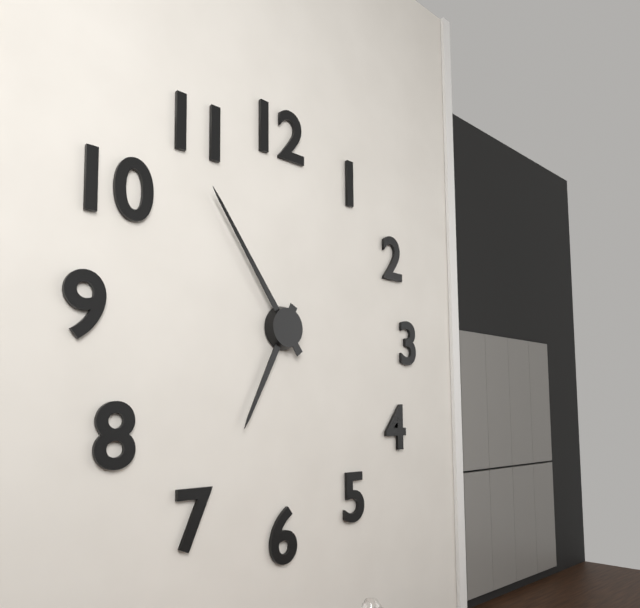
6.54
